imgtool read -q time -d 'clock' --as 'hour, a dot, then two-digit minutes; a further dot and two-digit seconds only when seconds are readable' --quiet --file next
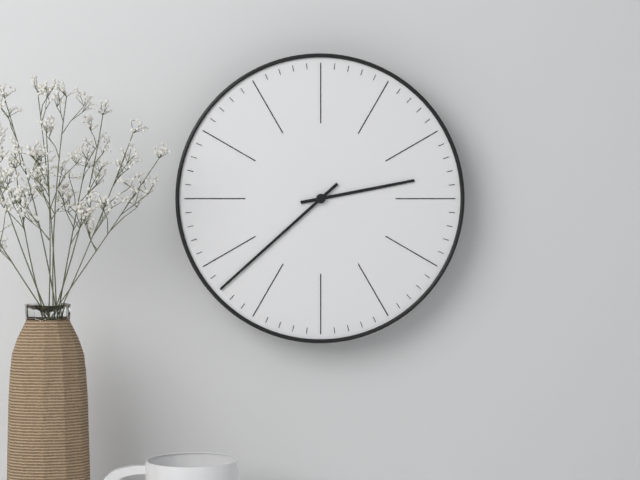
2.38
